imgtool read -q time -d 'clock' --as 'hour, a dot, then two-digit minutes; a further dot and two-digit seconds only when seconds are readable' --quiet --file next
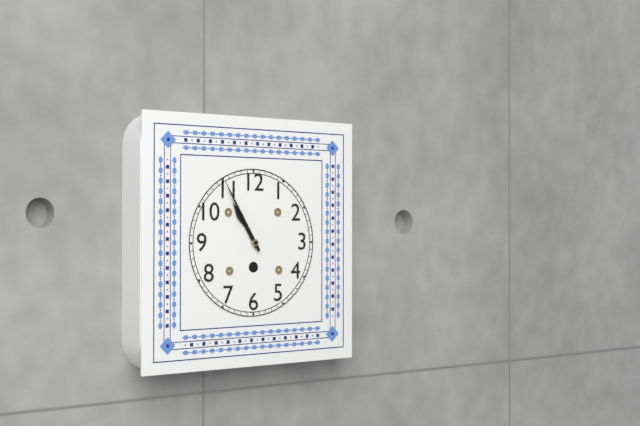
10.55
